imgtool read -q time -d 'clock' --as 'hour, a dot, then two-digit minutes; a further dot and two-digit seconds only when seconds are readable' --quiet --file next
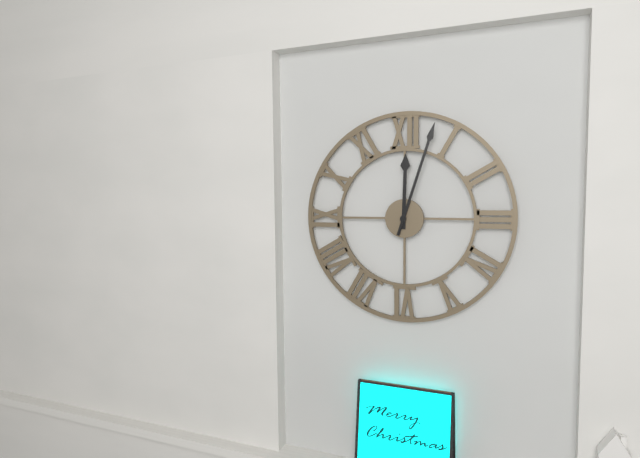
12.03
